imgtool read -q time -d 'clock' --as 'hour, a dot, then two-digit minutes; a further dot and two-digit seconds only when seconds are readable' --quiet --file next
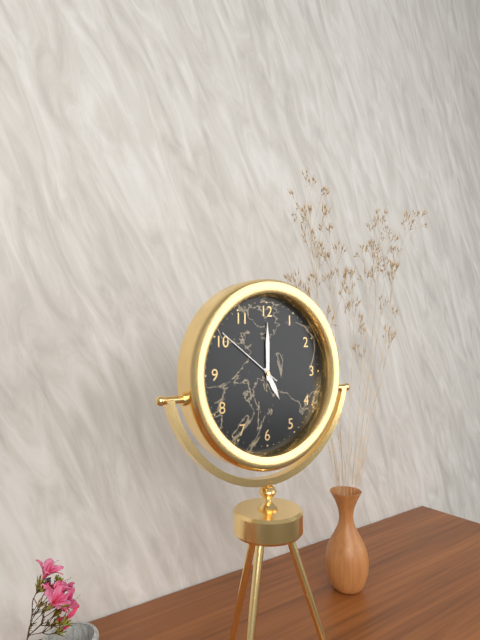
5.00.51
